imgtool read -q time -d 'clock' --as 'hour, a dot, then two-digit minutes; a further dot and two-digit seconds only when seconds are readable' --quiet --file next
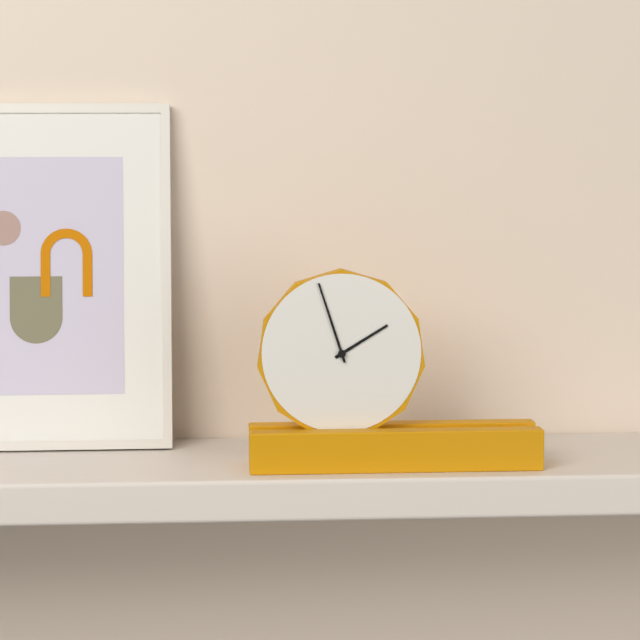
1.57
